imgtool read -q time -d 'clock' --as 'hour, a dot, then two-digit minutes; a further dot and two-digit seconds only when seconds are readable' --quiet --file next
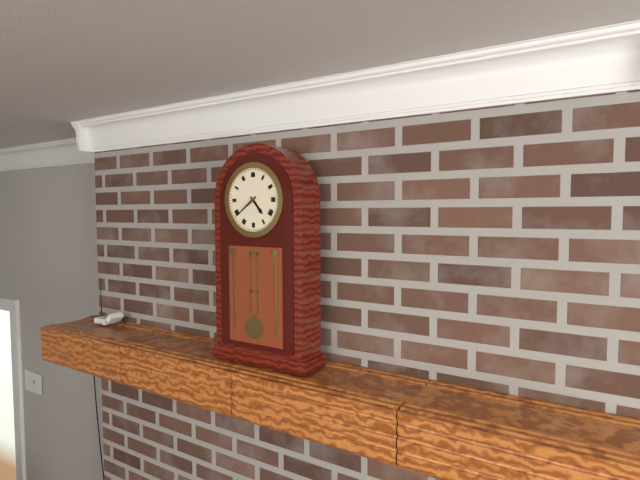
4.39
